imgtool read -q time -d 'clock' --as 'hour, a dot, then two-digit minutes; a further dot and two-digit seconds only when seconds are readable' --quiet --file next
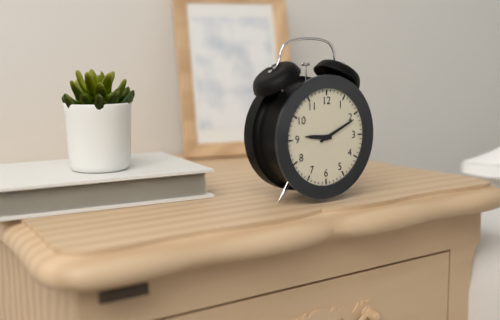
9.11
